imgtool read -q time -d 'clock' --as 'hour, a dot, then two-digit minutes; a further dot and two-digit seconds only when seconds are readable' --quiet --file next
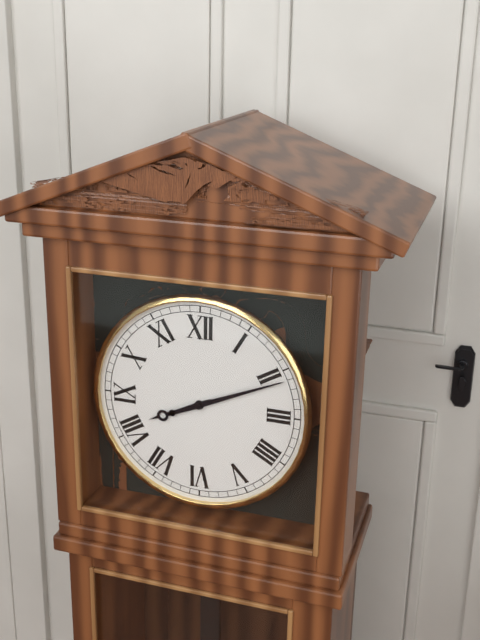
8.11
